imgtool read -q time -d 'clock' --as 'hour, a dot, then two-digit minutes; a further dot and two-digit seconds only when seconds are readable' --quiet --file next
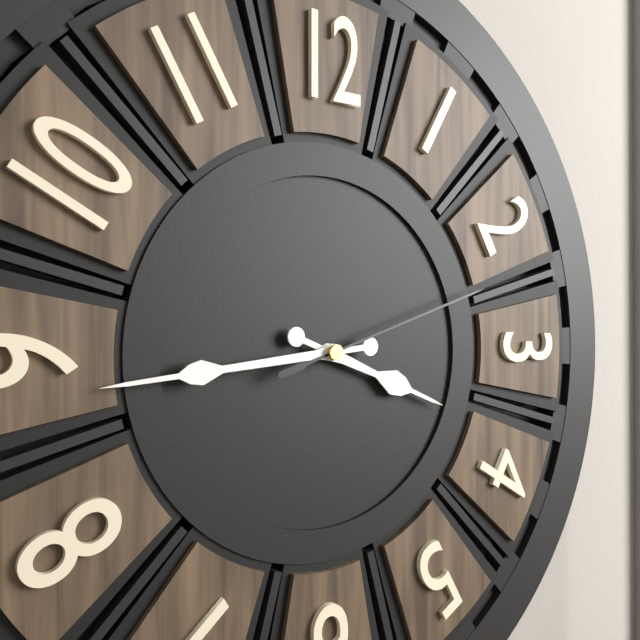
3.44.12
